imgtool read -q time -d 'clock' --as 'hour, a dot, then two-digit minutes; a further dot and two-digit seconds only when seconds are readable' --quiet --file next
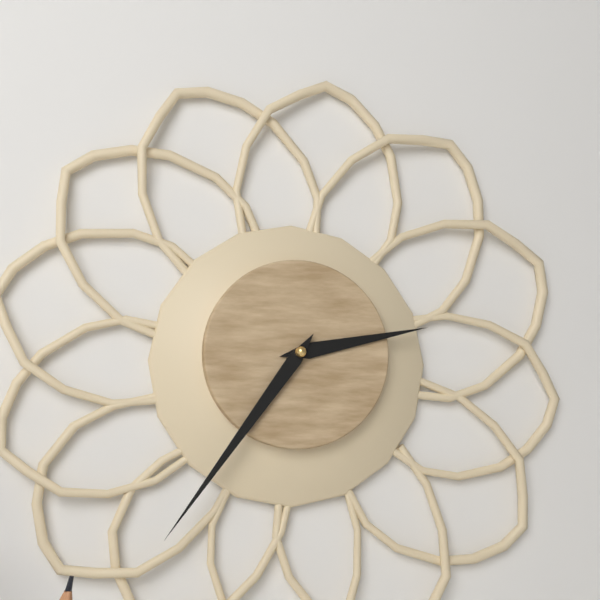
2.36
